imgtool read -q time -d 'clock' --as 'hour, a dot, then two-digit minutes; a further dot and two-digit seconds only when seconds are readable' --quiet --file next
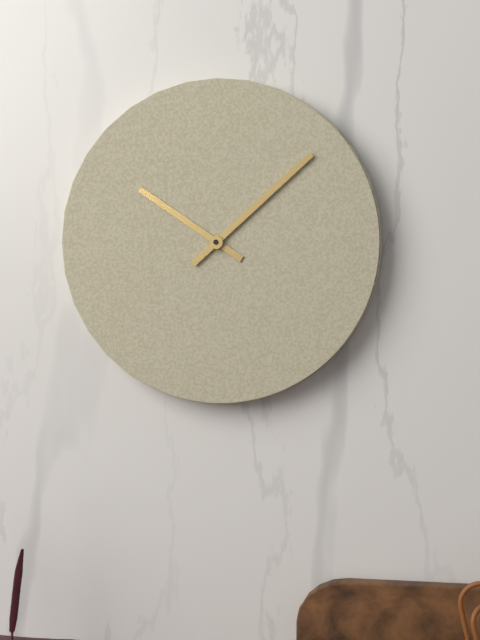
10.08
